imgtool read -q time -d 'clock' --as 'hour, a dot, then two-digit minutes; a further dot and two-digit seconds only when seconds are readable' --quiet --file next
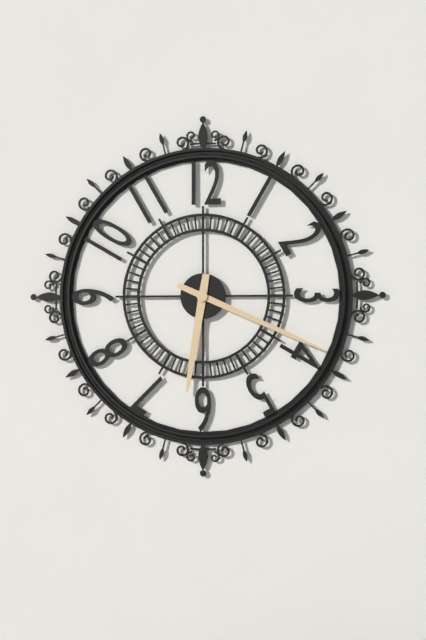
6.19
